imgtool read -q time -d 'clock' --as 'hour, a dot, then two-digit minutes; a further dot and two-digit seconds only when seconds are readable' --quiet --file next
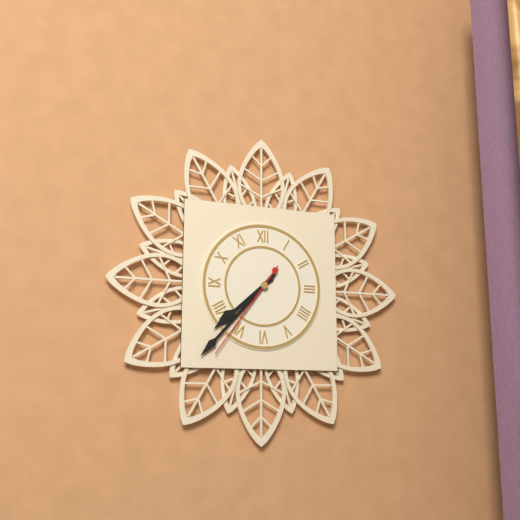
7.37.36
